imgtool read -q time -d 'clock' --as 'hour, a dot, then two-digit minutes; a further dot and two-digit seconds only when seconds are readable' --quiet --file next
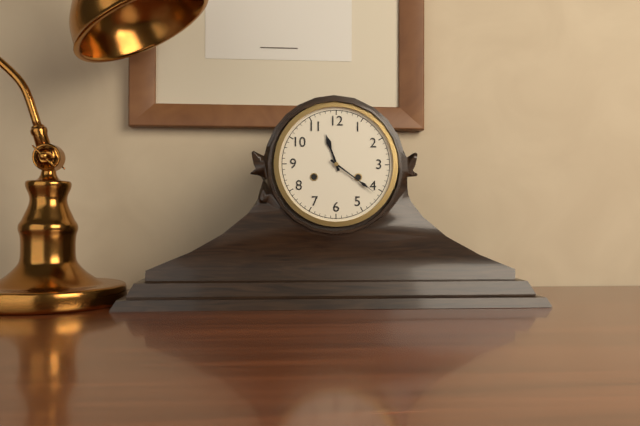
11.21
